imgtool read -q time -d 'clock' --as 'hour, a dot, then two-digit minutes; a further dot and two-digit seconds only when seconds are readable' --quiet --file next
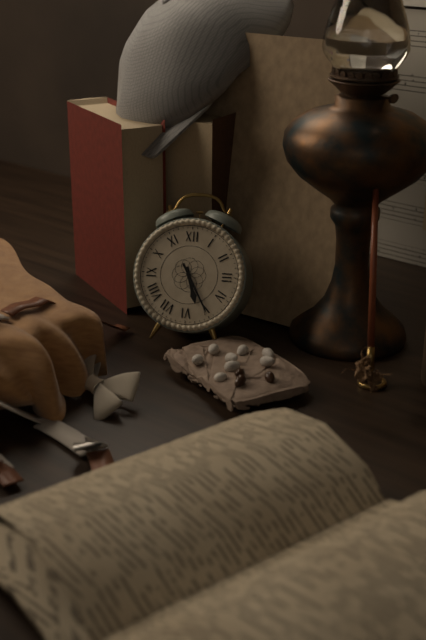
5.25
